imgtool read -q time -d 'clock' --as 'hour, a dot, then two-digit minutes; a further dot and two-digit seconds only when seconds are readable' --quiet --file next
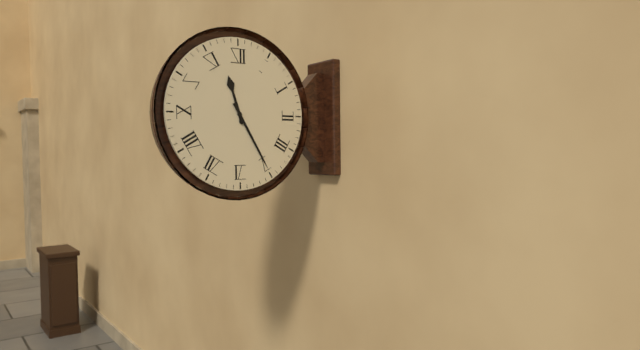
11.25
